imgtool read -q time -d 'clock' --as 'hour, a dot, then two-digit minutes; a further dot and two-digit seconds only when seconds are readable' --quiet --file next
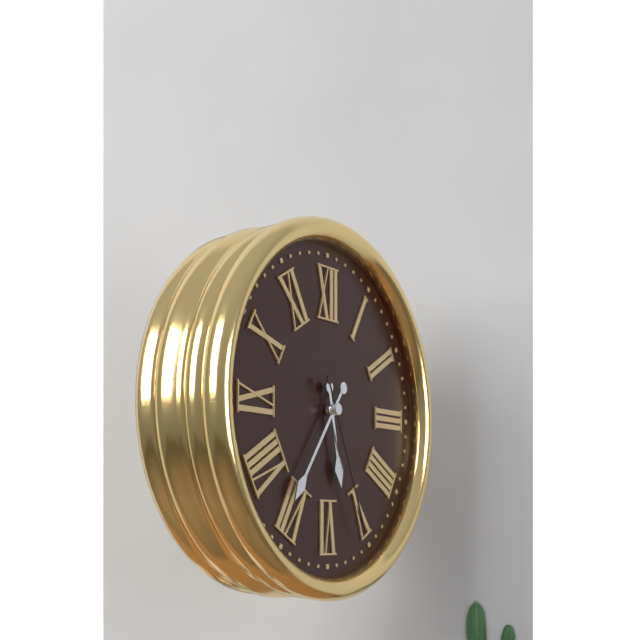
5.36.26
